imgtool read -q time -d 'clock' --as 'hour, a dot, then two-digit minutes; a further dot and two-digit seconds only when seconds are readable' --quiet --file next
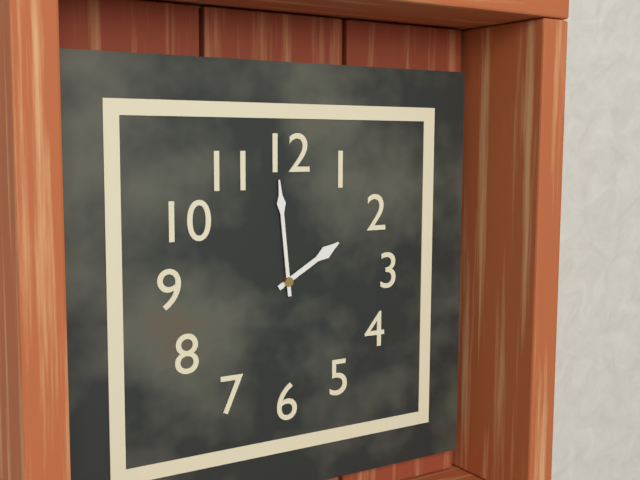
1.59
